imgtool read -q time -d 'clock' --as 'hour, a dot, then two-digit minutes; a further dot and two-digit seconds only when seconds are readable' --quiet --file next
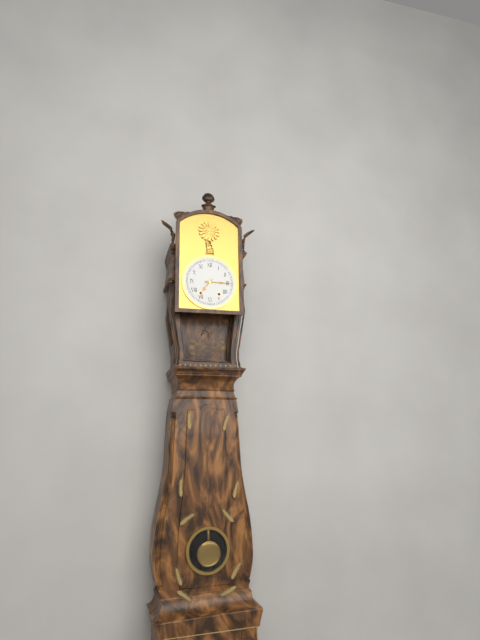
7.15
